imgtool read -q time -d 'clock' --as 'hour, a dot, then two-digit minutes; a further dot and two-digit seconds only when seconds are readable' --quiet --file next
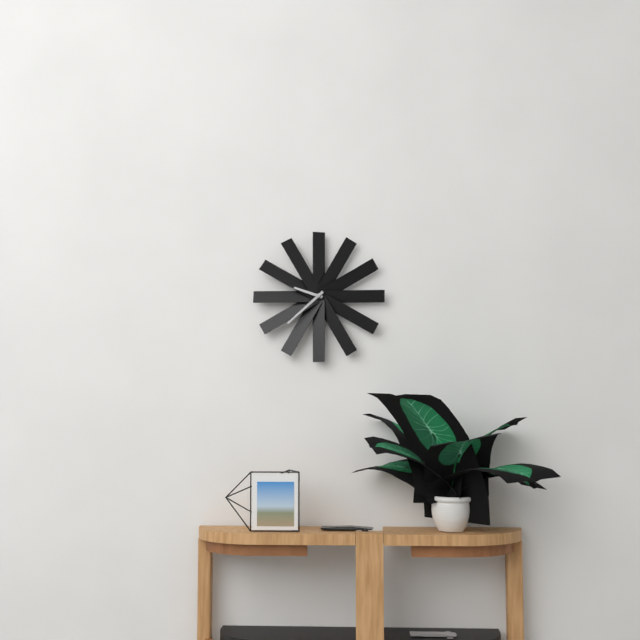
9.38
